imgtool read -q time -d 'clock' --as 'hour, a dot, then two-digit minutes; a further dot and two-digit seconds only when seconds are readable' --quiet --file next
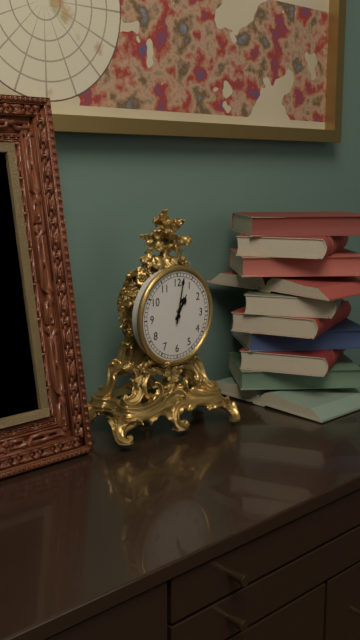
1.02
